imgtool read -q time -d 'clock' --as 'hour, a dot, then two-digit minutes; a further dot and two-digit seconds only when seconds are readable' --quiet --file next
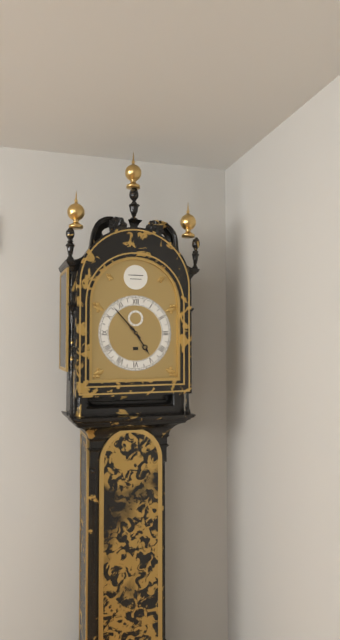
4.53
